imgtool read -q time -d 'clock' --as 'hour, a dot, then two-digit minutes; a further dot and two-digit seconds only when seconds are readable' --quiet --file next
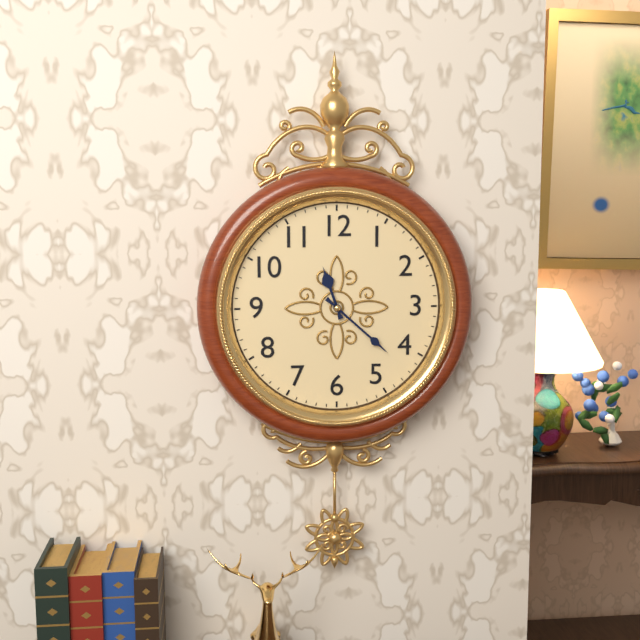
11.22
